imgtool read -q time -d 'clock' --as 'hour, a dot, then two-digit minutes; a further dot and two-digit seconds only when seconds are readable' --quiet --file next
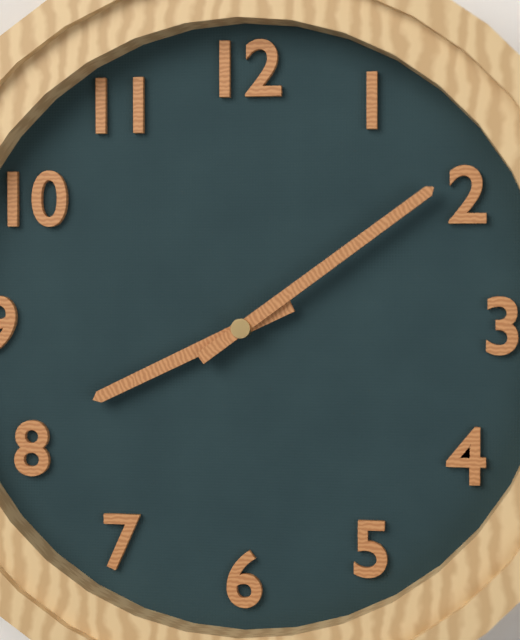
8.09
